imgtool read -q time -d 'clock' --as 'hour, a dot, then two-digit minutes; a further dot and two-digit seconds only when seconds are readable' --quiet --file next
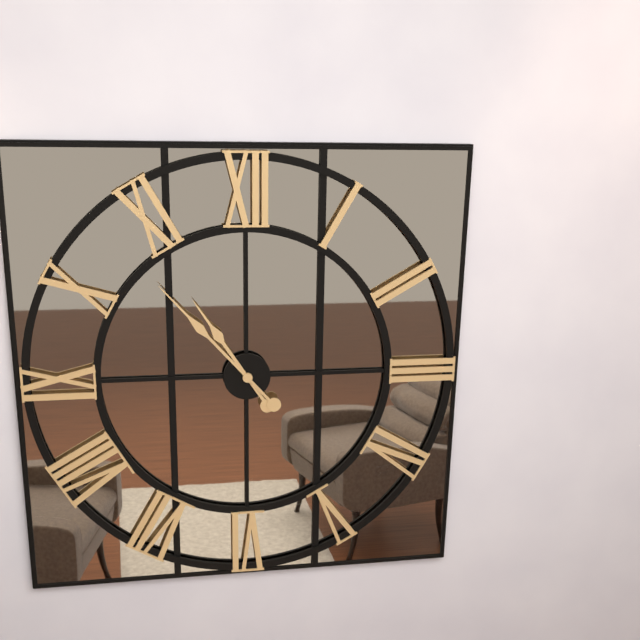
10.53
